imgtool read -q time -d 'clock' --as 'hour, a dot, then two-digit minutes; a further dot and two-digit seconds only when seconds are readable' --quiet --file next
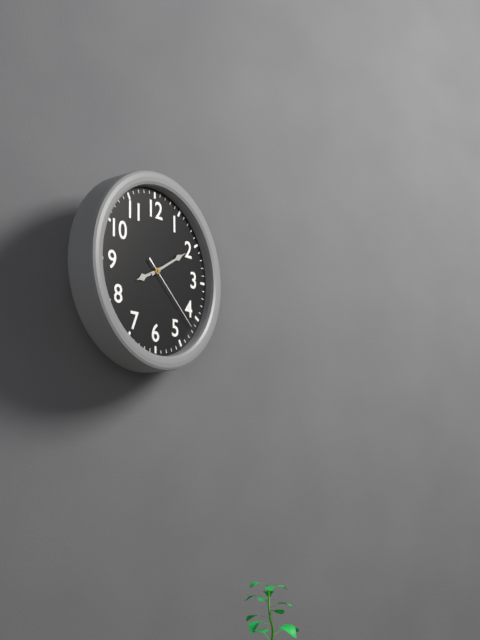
8.10.22
